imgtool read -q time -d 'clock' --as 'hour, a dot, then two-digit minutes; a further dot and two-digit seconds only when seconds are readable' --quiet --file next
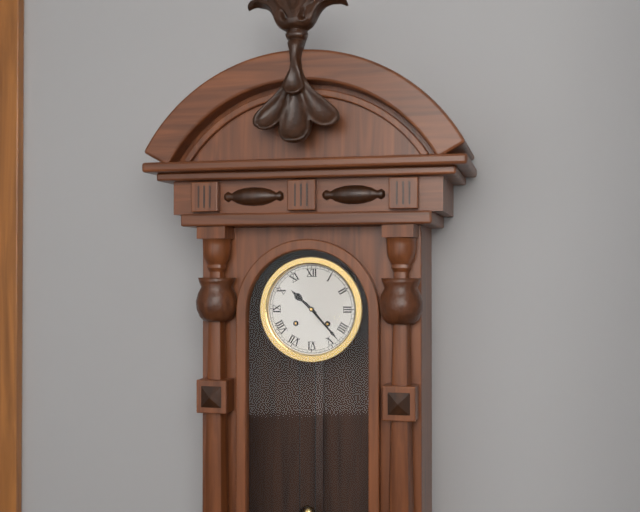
10.23
